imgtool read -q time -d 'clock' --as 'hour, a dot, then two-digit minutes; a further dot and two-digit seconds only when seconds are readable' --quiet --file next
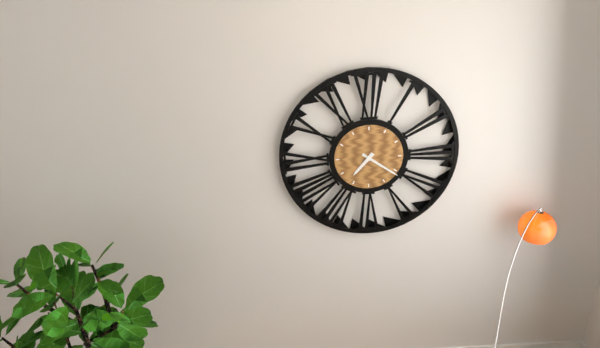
7.21
